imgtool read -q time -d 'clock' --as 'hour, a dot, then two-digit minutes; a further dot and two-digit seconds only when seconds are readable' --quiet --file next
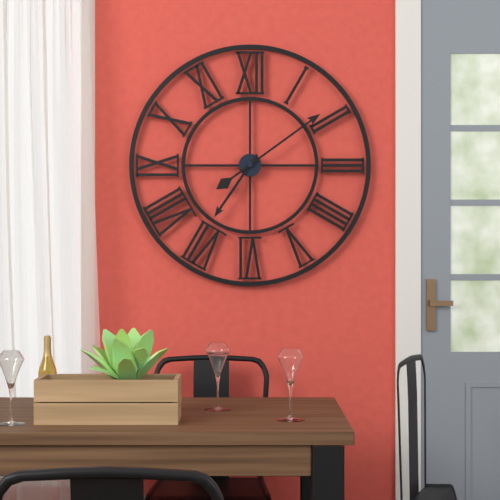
7.09
